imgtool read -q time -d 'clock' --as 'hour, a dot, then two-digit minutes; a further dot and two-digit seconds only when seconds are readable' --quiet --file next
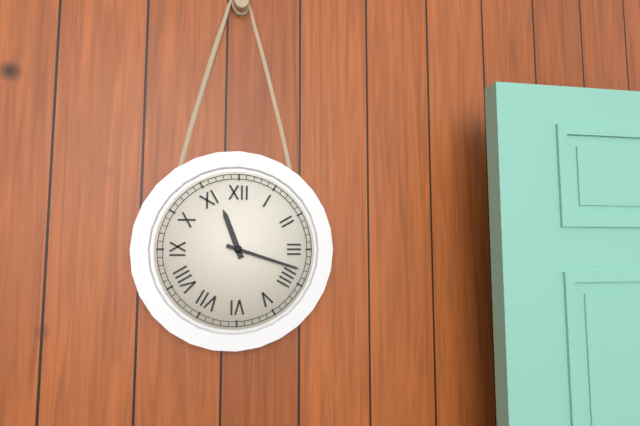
11.18
